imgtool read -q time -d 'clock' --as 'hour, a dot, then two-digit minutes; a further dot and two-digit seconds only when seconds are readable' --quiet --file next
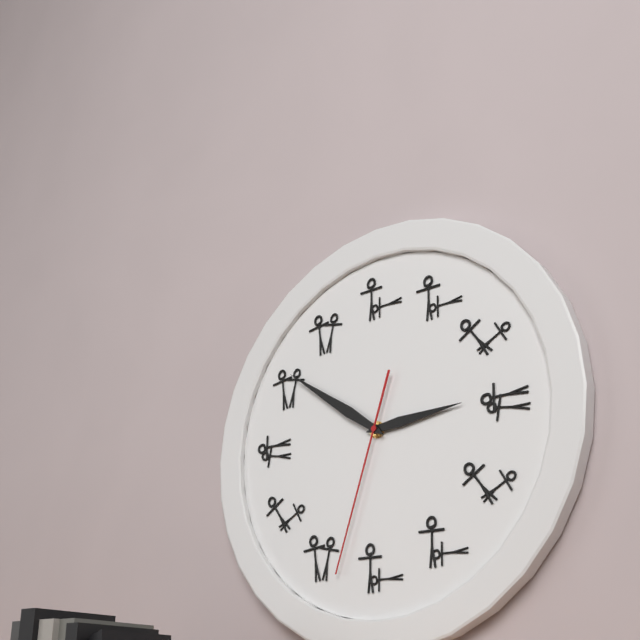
2.51.33
